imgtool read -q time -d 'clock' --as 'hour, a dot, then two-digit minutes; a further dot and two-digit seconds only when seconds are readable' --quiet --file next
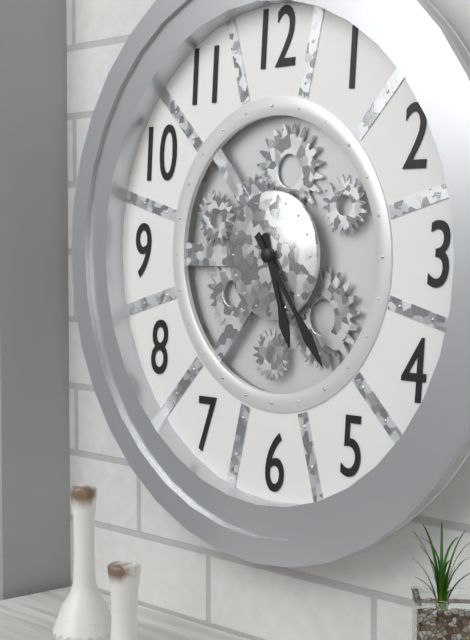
5.24
